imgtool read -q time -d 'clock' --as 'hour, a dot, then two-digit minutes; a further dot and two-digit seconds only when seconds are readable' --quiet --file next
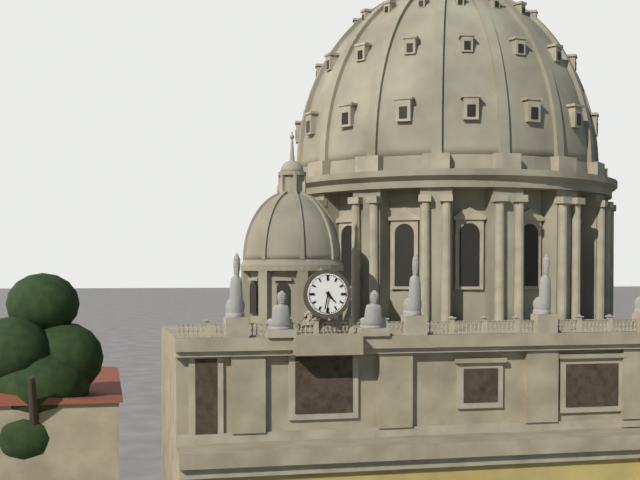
4.32
